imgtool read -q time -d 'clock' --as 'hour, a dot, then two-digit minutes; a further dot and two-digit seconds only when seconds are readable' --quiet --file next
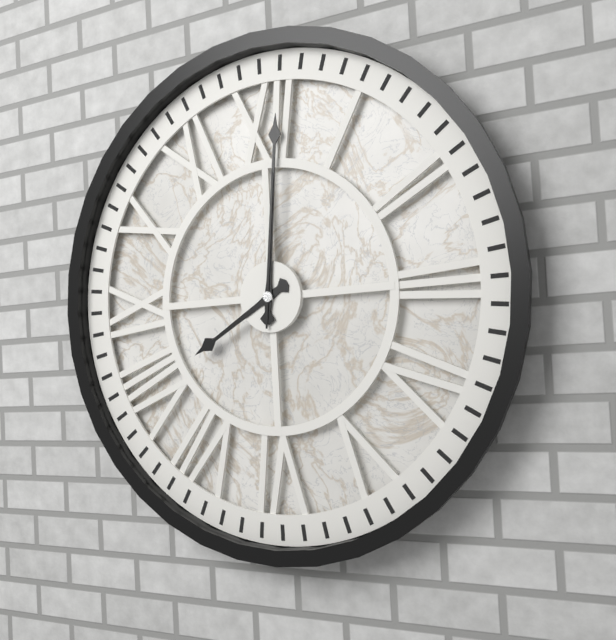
8.01.01
